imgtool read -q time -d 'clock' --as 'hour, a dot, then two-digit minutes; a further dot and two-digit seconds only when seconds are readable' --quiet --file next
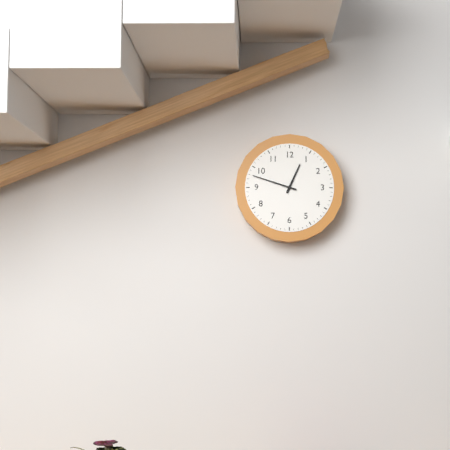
12.48
